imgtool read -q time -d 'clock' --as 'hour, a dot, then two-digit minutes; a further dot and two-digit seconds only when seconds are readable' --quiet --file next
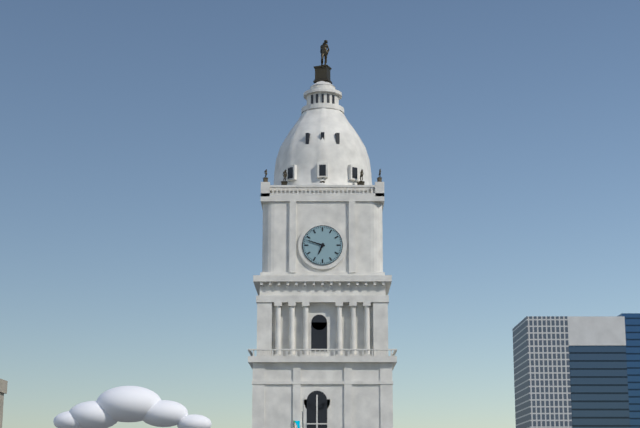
6.48
